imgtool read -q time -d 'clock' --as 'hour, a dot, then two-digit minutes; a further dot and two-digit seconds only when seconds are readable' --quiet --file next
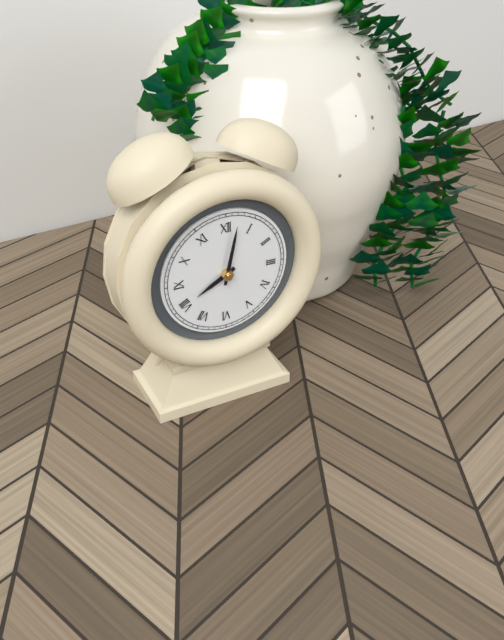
8.02
